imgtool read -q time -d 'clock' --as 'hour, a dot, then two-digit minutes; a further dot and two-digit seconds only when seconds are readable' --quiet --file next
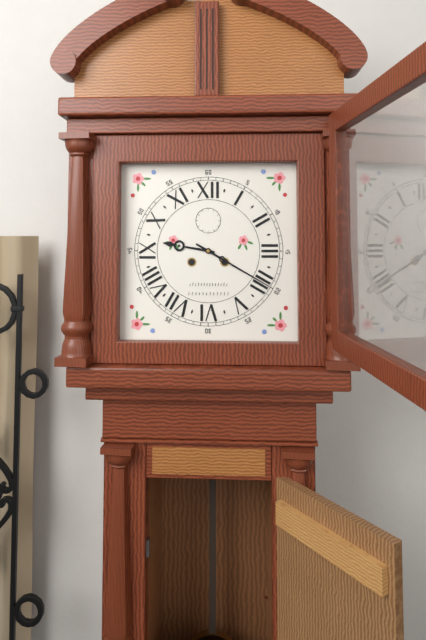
9.20
